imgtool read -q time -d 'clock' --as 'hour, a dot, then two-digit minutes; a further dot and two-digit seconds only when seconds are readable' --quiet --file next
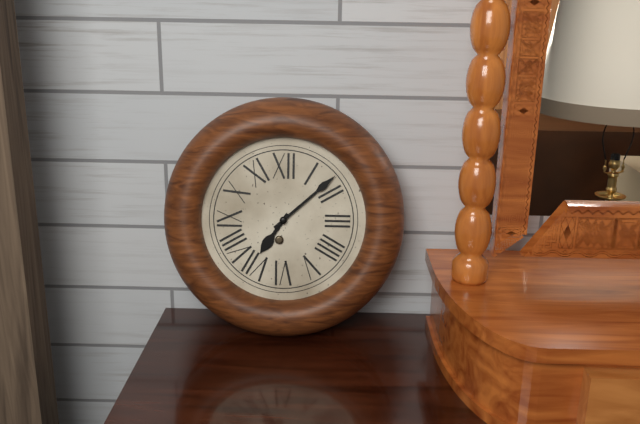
7.08
